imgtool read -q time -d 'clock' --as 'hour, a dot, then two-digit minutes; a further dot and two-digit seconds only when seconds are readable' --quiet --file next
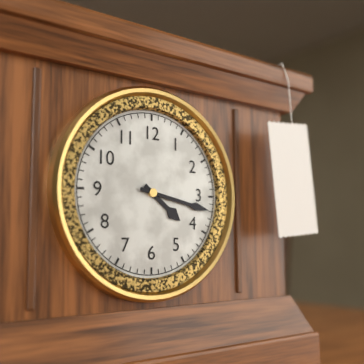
4.17
